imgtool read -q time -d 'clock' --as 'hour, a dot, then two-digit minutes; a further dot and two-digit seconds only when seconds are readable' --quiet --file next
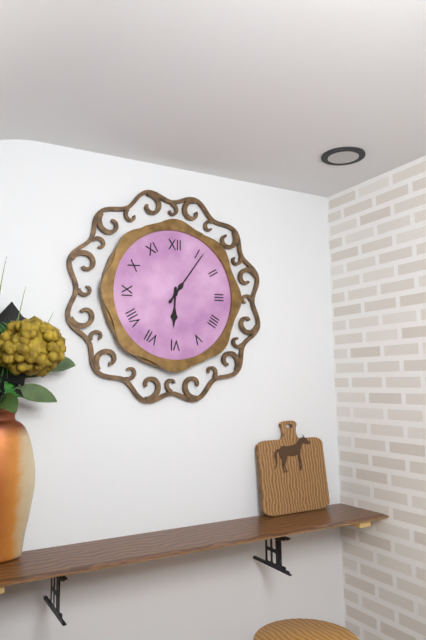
6.06
